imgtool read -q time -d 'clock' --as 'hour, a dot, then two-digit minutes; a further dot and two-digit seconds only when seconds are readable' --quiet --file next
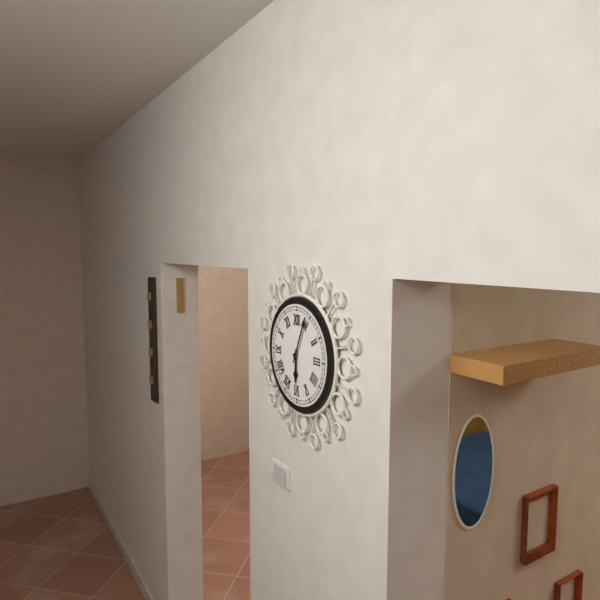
6.04
